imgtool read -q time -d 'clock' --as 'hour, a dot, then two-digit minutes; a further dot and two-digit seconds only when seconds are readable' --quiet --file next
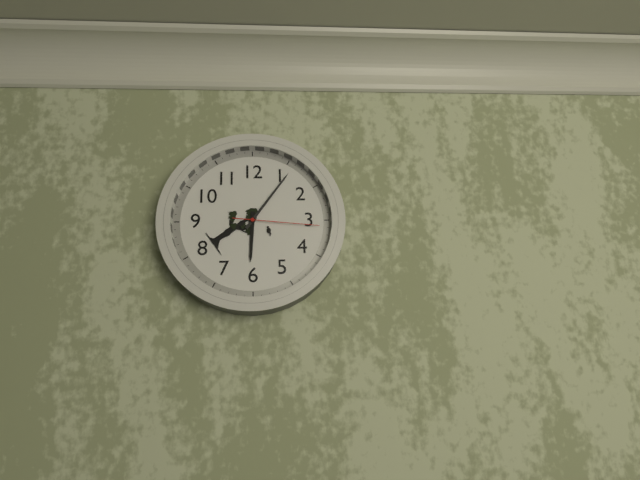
6.06.16
